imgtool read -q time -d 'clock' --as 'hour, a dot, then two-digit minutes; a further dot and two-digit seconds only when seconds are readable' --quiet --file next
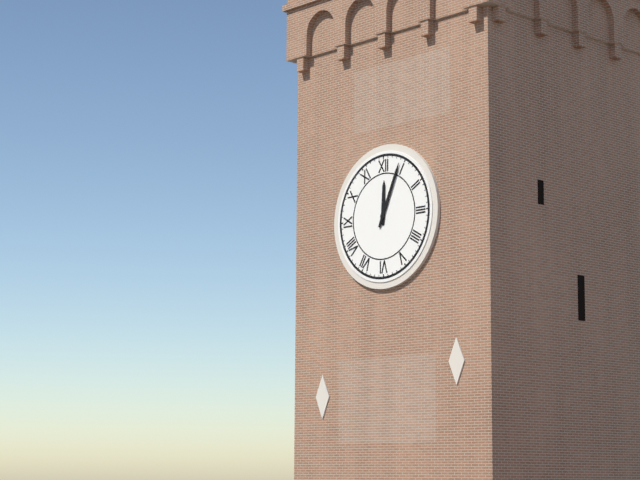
12.04
